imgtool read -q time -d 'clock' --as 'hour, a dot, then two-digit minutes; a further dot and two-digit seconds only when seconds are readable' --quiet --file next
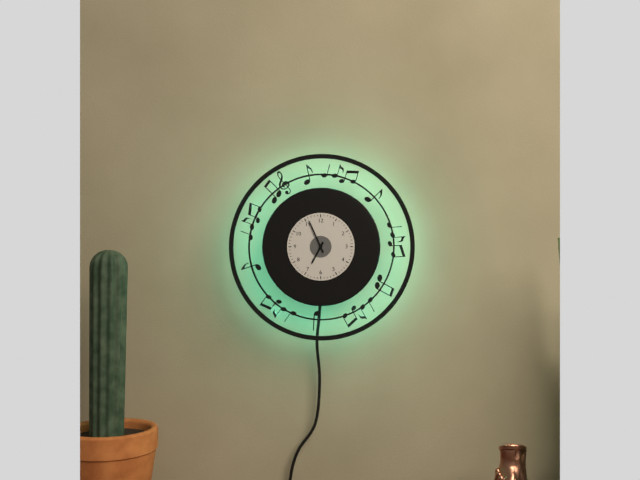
6.56
